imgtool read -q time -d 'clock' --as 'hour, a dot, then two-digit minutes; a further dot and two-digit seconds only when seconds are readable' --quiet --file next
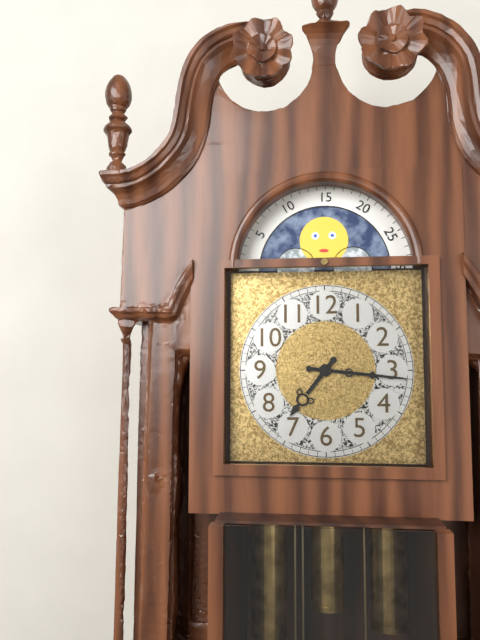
7.16
